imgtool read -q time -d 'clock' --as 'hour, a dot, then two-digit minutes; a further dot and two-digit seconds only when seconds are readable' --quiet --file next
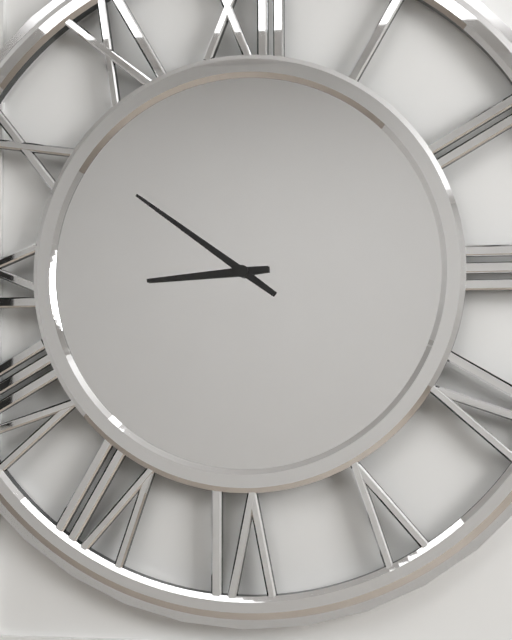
8.51
